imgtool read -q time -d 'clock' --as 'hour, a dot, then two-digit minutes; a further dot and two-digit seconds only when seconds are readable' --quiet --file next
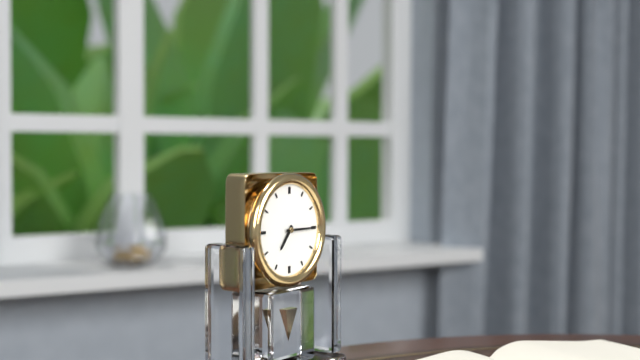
7.15
